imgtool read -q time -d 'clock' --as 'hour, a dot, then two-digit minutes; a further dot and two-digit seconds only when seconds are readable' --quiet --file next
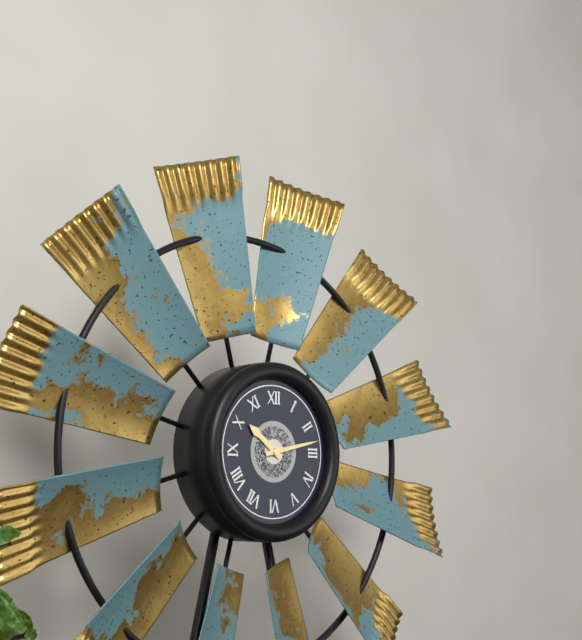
10.13
